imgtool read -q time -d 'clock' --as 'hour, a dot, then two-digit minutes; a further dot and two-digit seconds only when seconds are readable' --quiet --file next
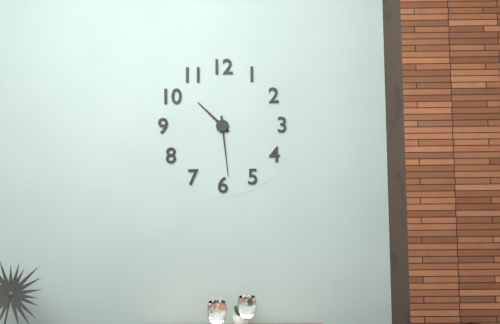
10.29
